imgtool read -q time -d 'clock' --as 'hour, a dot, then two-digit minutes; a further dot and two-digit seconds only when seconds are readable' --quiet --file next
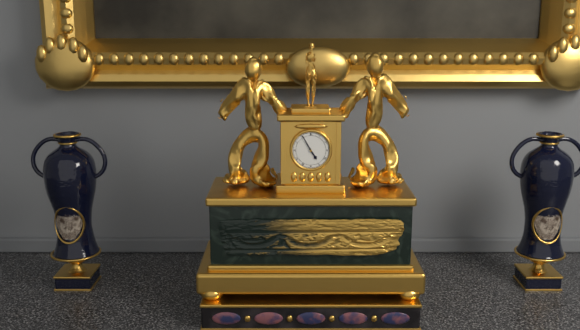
4.55
